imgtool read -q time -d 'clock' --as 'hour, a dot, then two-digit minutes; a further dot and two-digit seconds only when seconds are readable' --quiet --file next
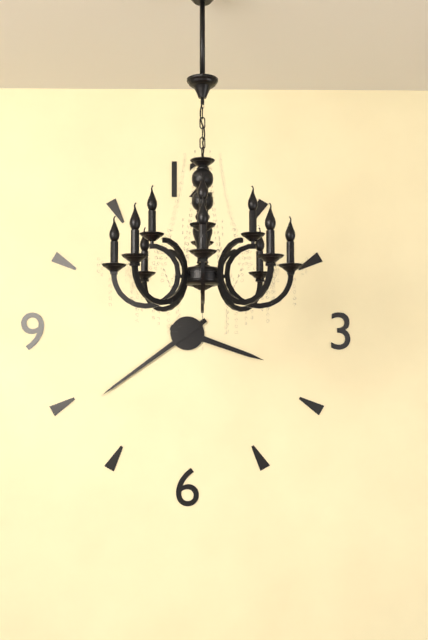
3.39
